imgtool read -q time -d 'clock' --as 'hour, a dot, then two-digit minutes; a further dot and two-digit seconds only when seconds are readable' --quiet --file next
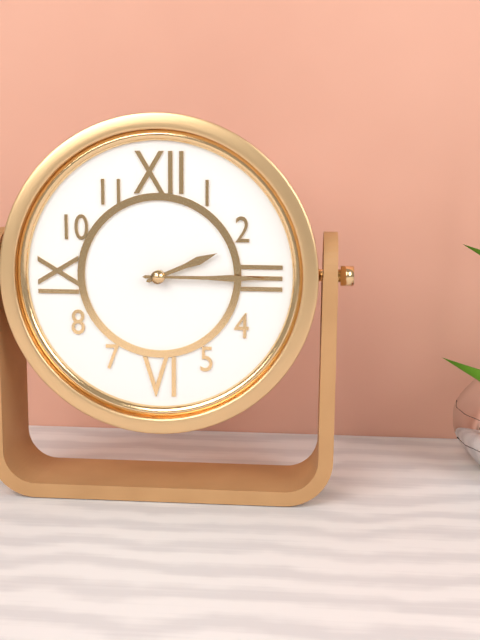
2.15
